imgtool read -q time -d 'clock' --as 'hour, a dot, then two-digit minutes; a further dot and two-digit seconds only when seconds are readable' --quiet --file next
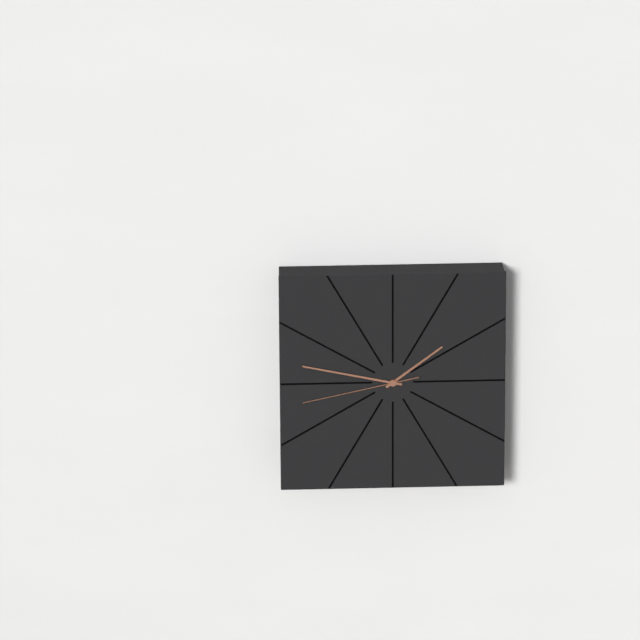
1.47.43
